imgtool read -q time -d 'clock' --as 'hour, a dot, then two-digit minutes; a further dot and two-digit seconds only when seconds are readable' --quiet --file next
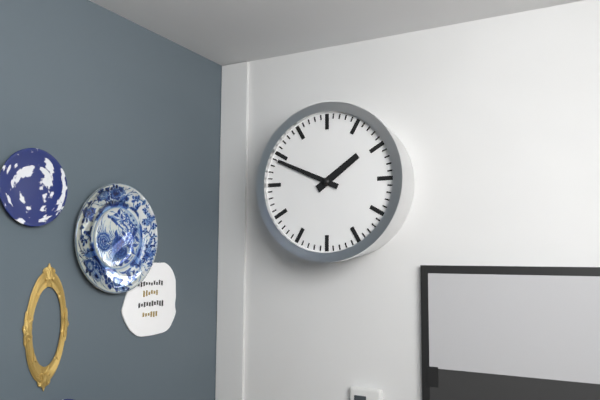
1.49
